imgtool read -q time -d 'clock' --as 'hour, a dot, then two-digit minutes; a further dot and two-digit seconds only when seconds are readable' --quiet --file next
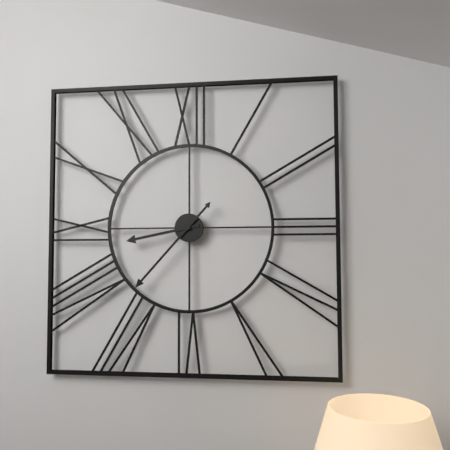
8.37
